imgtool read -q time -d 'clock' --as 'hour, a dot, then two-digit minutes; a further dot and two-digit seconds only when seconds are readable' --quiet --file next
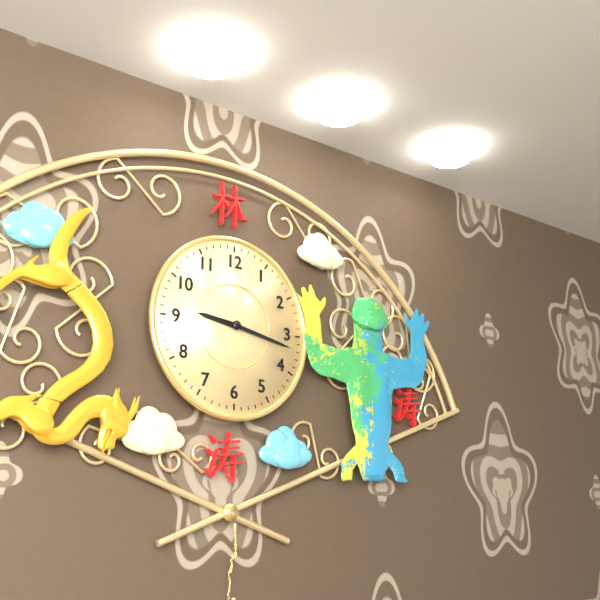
9.17
